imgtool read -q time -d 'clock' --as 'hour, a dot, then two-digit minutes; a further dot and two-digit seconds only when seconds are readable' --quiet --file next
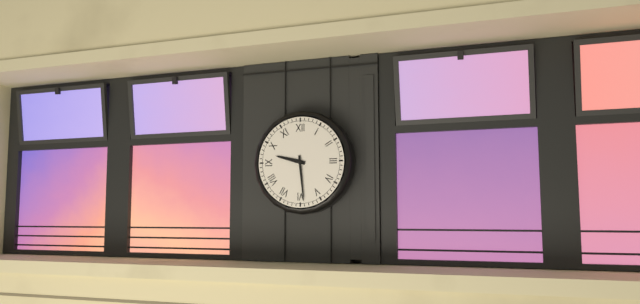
9.29
